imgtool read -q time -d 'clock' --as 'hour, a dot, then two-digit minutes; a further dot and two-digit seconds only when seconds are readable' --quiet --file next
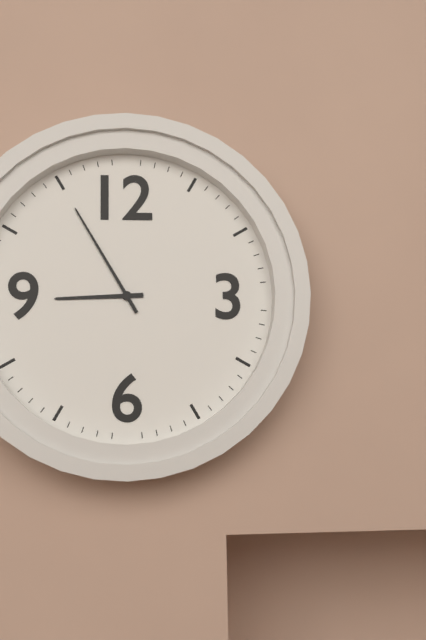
8.55
